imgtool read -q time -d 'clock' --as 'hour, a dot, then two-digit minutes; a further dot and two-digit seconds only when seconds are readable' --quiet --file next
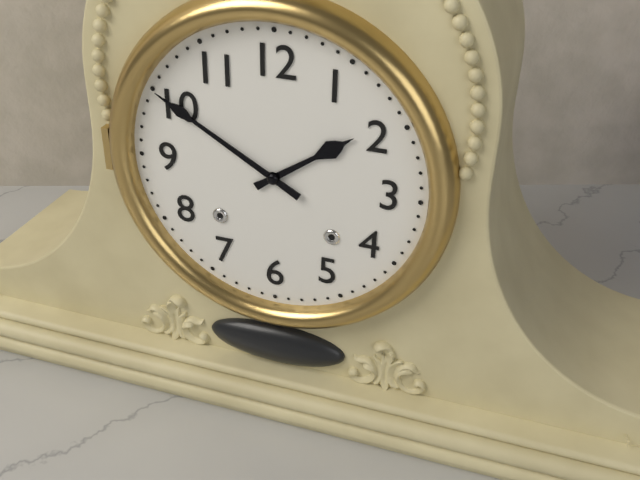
1.50
